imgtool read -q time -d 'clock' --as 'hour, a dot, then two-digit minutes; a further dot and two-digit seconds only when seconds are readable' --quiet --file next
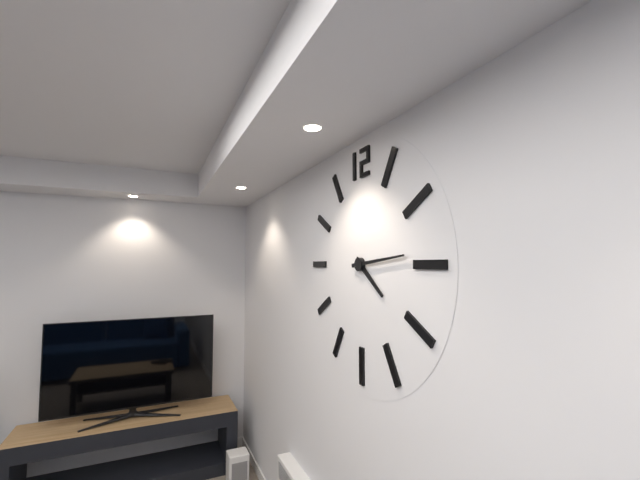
4.14
